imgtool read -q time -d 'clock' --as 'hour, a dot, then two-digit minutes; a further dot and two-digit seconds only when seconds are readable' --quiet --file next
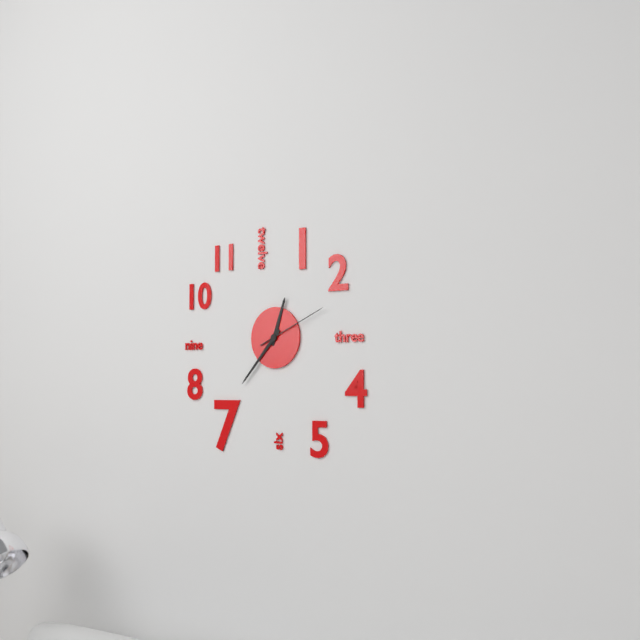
12.37.11
